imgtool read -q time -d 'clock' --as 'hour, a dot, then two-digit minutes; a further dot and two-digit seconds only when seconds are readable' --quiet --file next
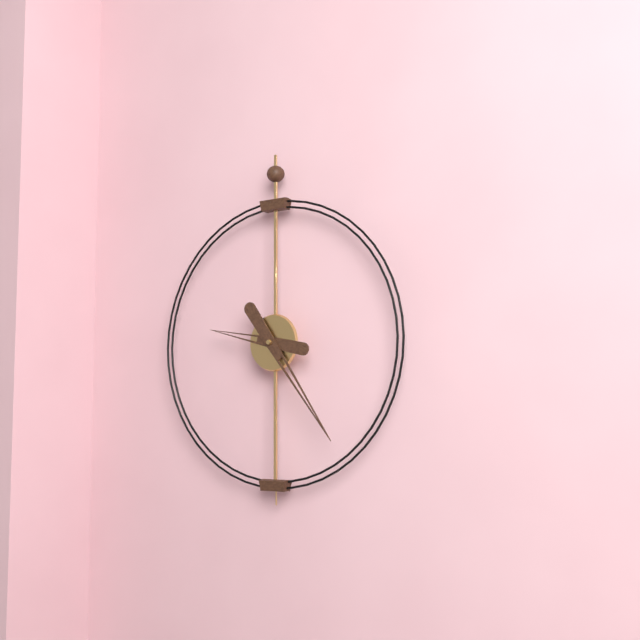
9.24
